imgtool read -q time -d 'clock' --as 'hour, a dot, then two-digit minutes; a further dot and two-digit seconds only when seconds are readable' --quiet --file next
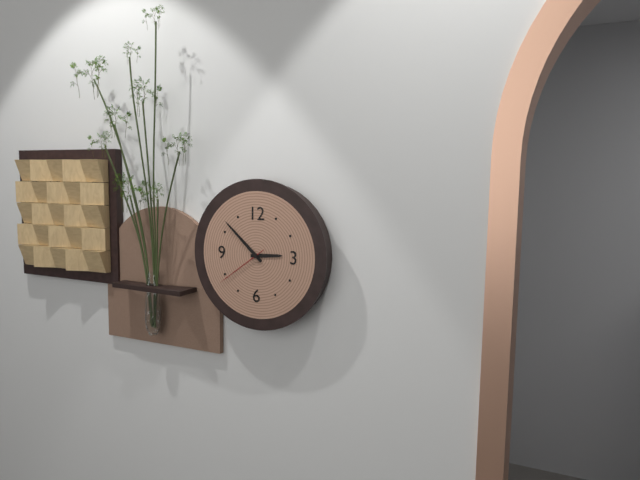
2.52.39
